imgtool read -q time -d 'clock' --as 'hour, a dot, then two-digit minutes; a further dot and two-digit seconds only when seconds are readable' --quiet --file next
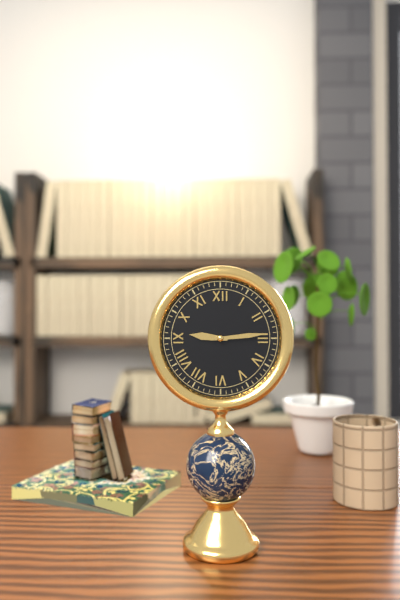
9.14
